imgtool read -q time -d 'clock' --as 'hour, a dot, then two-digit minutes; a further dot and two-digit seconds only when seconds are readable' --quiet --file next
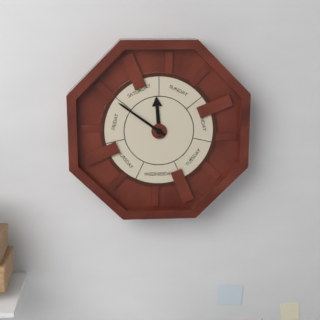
11.51
